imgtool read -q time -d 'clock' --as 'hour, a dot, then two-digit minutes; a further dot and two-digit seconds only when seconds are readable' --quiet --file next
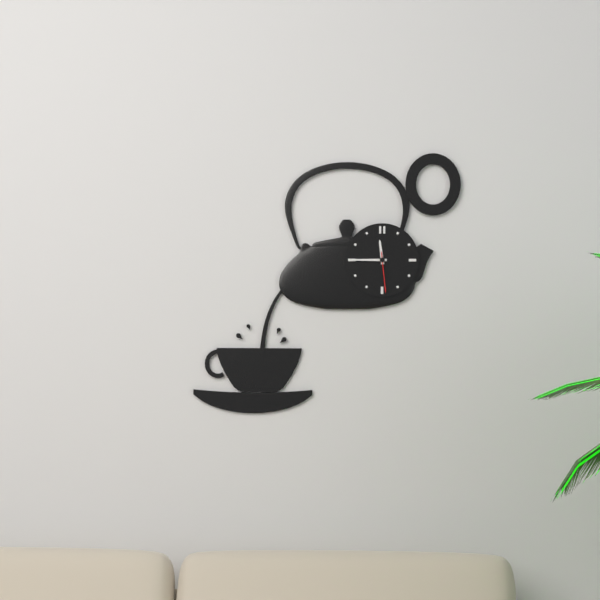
11.45
